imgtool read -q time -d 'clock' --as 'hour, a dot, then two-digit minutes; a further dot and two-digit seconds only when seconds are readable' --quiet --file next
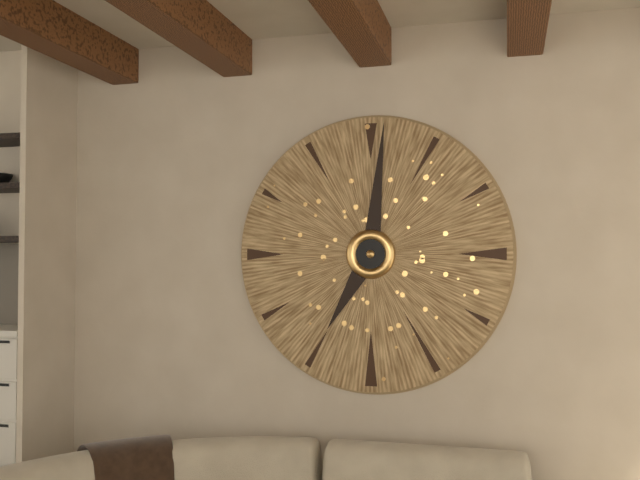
7.01
